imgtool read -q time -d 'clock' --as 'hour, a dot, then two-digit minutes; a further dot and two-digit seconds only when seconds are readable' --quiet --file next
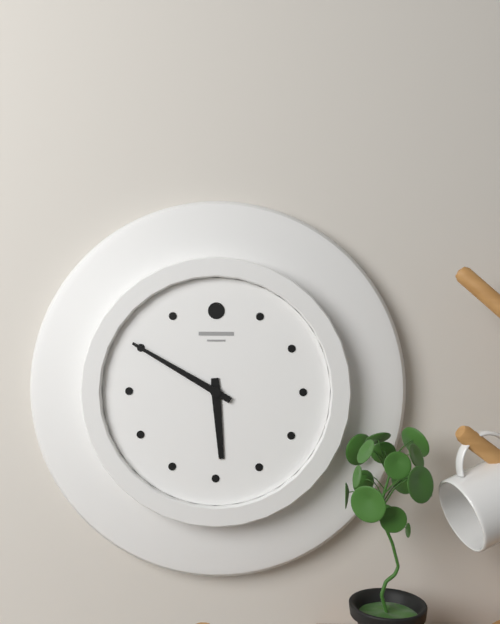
5.50
